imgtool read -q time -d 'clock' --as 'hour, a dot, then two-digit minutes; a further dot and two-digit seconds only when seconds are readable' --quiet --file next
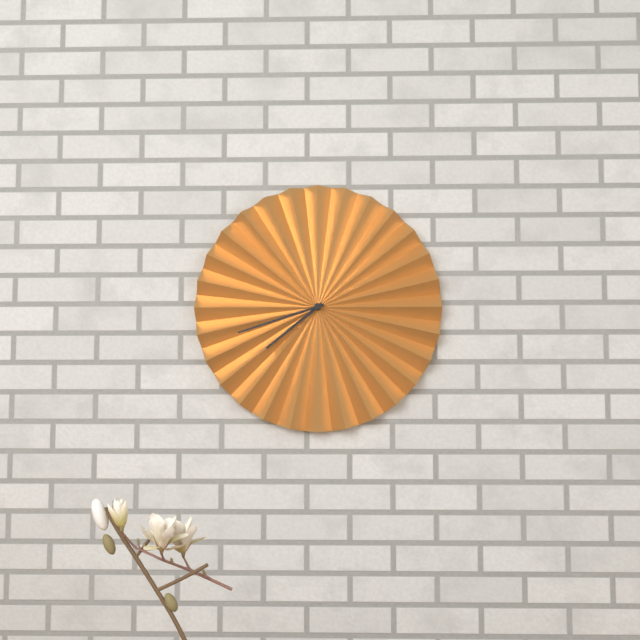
7.42
